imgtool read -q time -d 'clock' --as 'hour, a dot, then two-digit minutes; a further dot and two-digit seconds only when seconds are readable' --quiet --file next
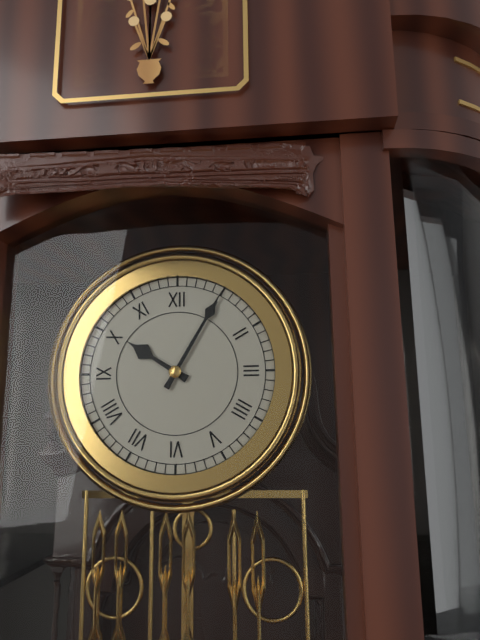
10.05
